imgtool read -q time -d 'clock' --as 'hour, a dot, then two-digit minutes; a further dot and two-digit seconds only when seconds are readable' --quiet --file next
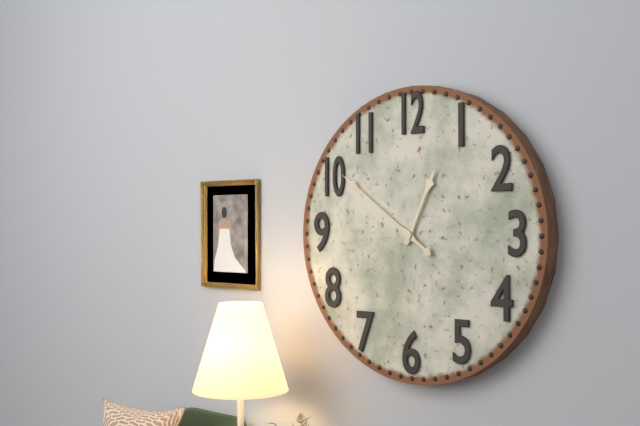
12.51
